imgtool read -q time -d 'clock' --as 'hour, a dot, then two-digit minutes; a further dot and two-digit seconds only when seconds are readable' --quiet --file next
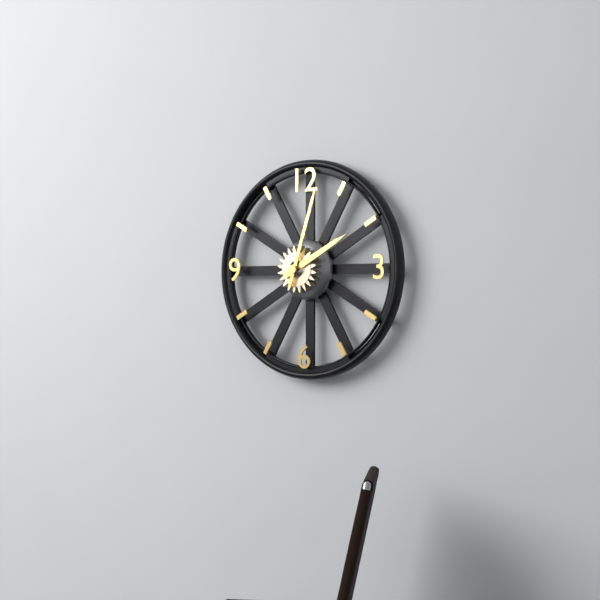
2.03
